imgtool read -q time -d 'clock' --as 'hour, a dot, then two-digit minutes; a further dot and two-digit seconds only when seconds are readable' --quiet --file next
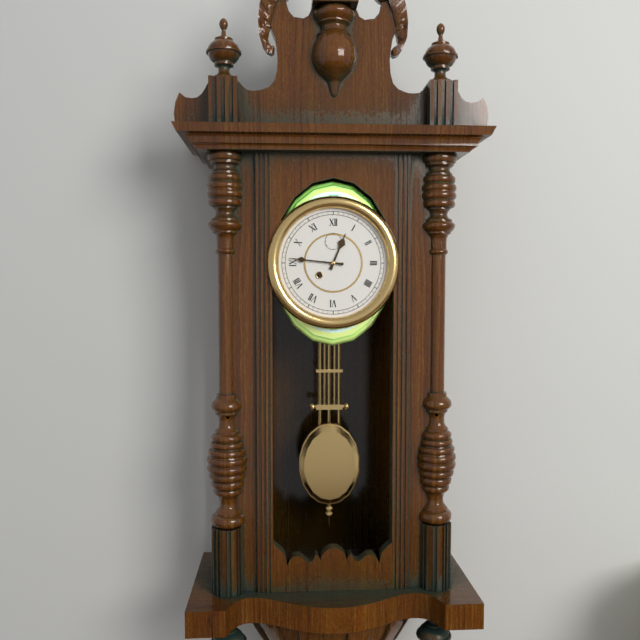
12.46
